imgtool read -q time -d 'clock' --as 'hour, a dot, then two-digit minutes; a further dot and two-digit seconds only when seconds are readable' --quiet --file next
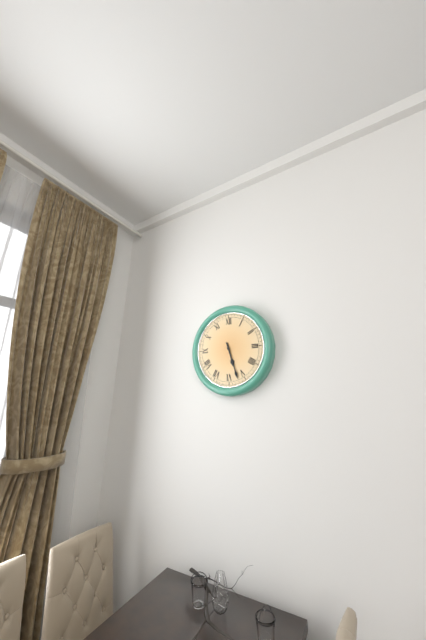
5.27
